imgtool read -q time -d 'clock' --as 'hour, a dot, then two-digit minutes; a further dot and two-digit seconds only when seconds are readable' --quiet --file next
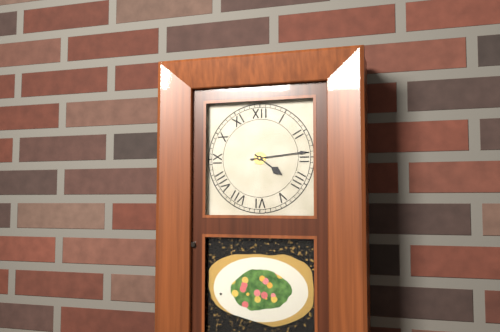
4.14
